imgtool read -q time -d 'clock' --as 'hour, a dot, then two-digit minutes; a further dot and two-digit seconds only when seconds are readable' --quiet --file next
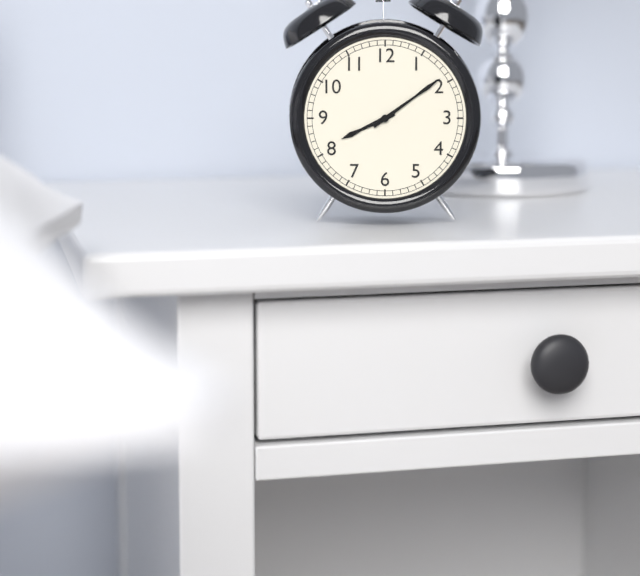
8.09
